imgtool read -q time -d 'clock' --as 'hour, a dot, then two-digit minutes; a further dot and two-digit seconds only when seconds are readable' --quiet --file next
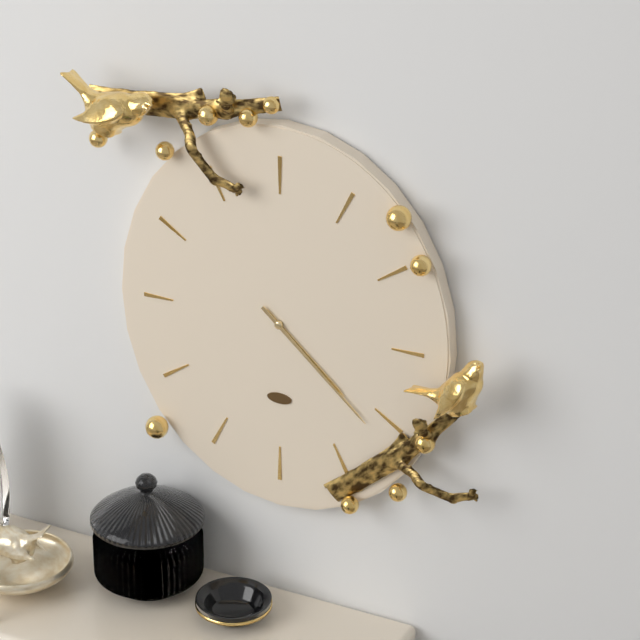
4.22
